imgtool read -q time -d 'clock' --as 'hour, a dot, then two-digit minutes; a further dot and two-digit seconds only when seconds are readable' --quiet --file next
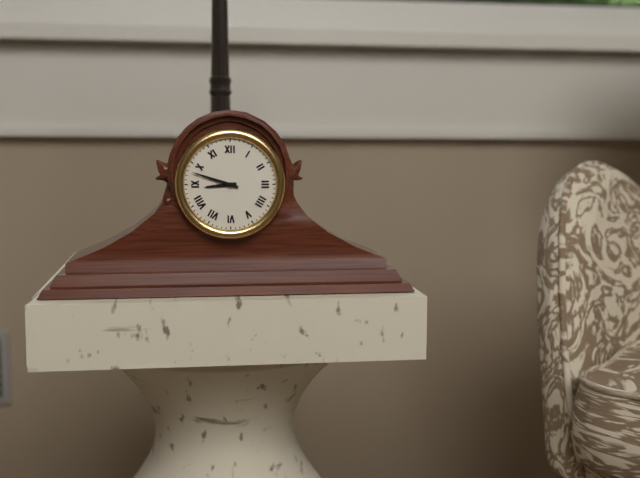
8.48
